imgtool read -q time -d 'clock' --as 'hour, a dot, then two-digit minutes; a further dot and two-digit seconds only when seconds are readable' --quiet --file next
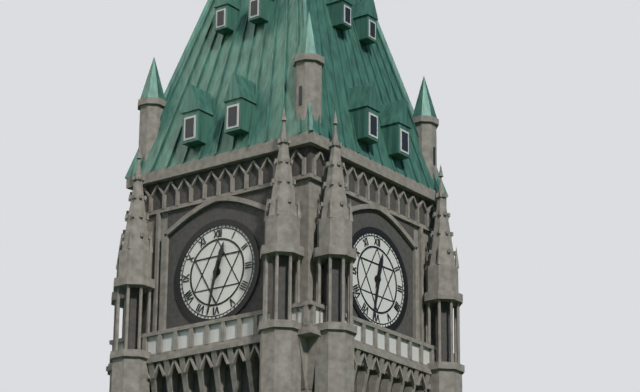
12.32
